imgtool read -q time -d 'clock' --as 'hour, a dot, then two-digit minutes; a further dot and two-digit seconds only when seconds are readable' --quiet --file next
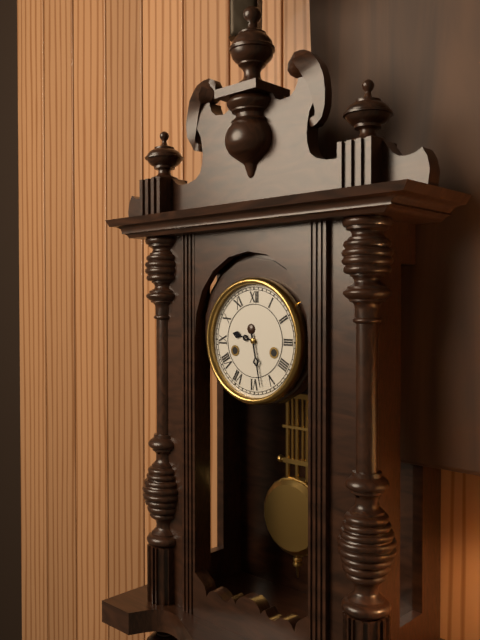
9.28
